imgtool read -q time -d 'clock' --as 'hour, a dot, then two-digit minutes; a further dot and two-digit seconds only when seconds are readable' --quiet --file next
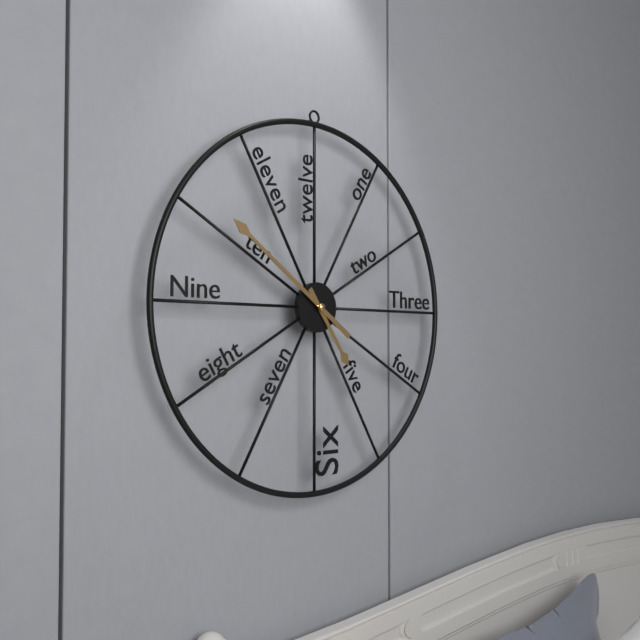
4.51
